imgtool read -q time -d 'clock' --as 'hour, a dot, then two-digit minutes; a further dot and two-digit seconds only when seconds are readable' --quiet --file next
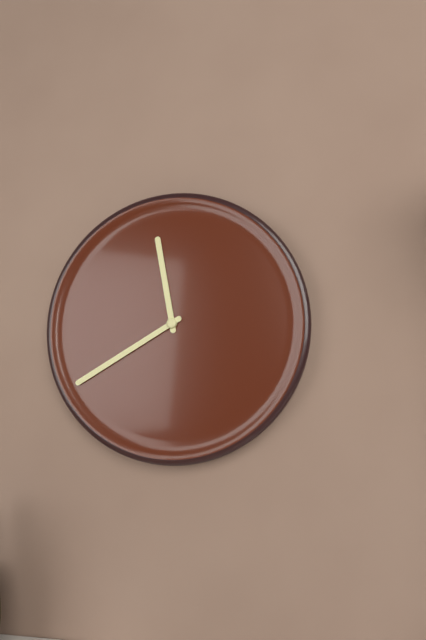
11.40
